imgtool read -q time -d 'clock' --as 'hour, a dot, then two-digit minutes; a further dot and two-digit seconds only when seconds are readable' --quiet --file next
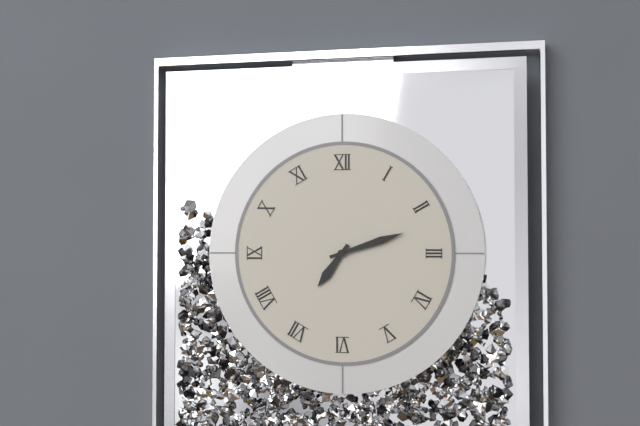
7.12
